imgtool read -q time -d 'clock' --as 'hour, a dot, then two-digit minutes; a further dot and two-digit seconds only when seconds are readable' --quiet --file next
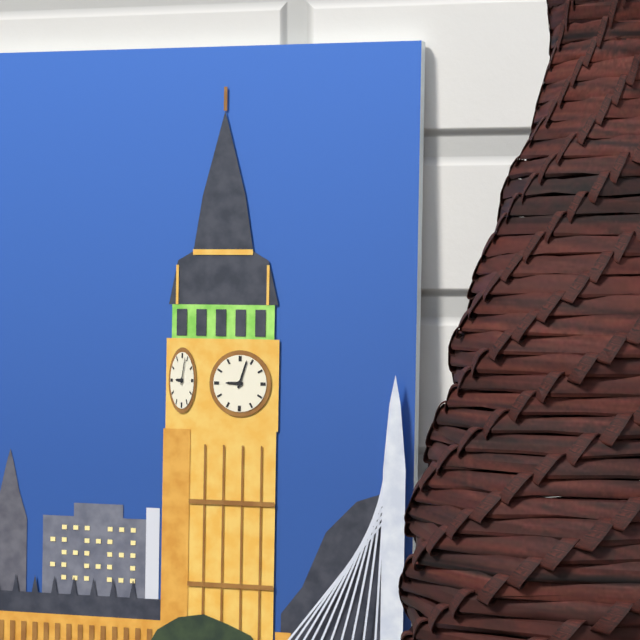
9.03
